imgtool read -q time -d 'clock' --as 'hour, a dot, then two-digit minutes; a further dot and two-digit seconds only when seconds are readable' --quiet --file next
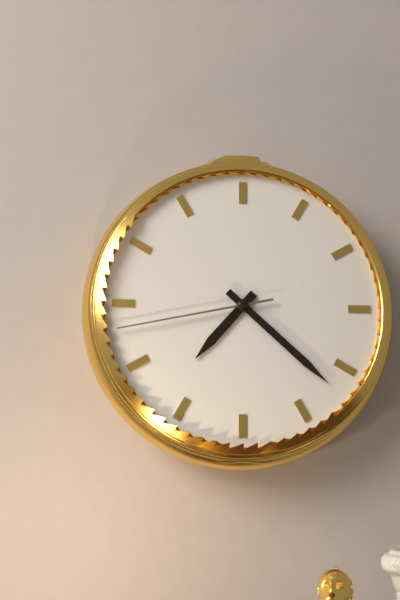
7.22.43
